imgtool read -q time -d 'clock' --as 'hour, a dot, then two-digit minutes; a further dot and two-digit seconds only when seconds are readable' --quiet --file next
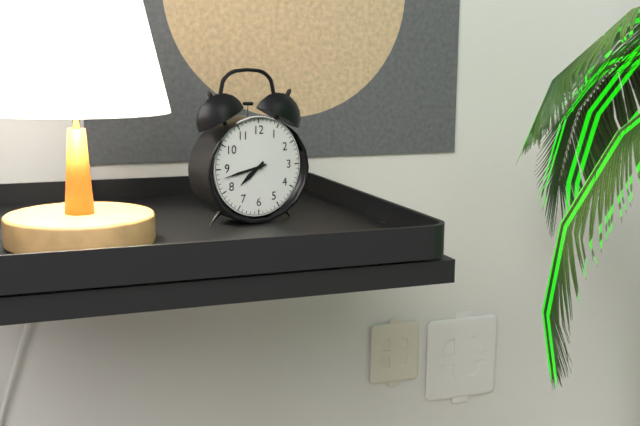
7.43
